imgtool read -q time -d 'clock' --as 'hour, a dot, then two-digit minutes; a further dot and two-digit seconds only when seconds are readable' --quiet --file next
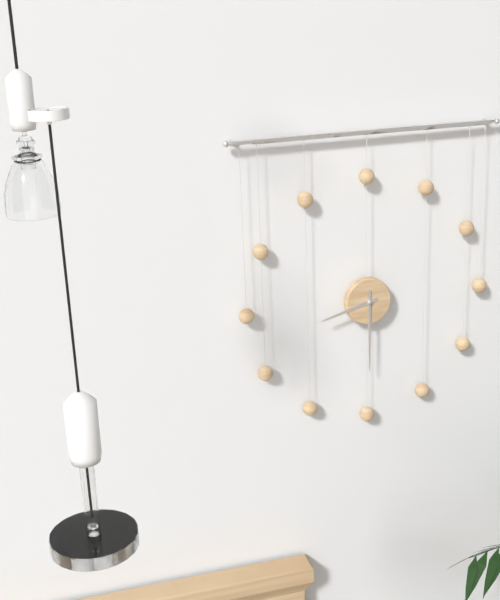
8.30
